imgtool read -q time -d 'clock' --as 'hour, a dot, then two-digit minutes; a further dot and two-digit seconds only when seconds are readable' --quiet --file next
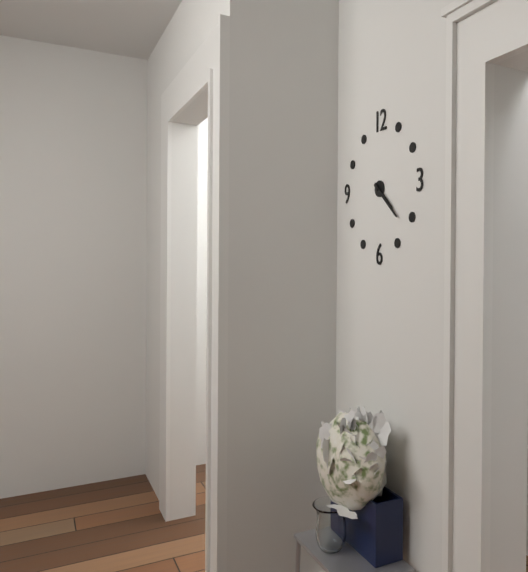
4.22
